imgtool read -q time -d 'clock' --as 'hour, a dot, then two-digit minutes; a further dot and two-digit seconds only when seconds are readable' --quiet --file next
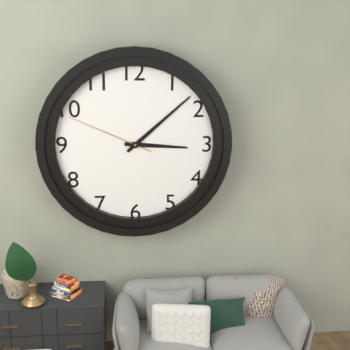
3.08.49
